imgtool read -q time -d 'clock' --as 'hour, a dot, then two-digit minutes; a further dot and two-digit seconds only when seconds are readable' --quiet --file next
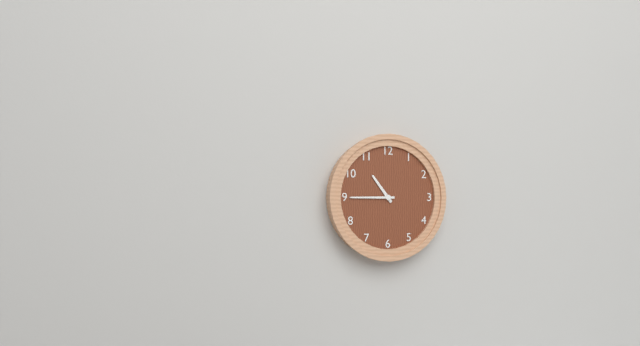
10.45
